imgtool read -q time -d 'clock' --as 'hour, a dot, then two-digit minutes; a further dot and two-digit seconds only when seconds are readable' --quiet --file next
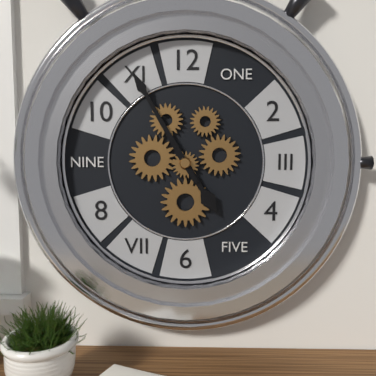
4.55
